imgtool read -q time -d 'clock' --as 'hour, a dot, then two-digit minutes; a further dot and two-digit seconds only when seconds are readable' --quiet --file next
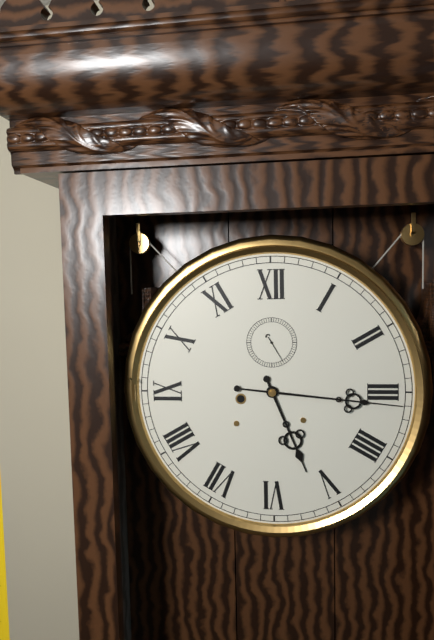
5.16
